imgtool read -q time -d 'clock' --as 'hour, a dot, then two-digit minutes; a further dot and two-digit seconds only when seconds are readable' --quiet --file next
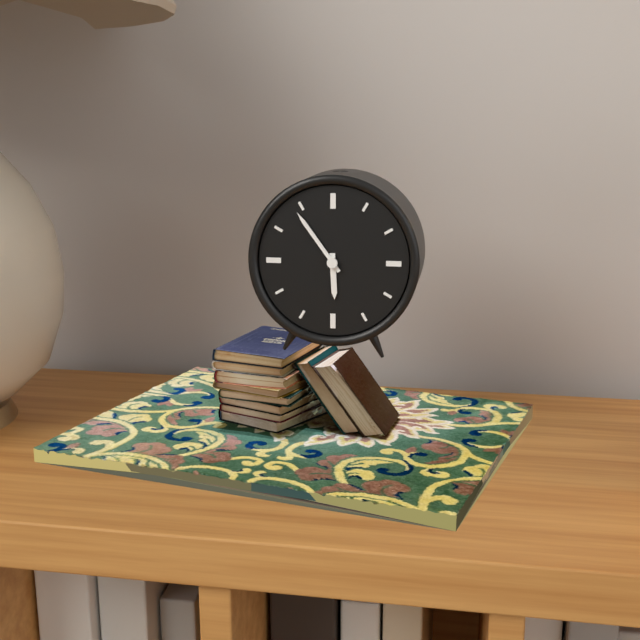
5.54
